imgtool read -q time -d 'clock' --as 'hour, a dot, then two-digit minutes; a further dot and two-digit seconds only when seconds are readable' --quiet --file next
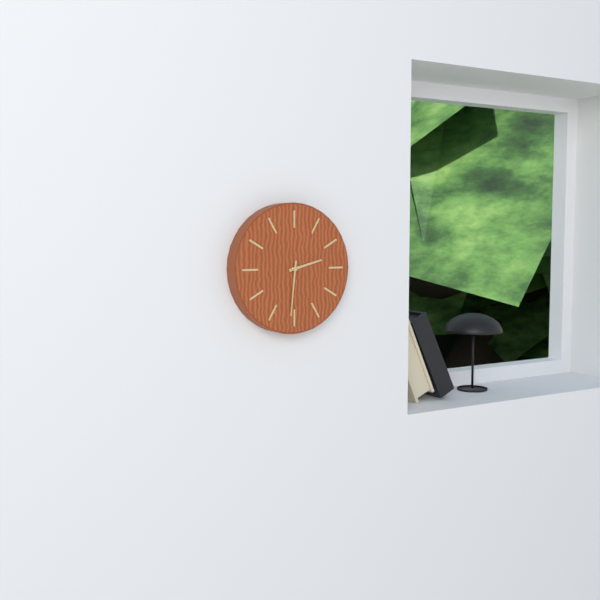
2.31
